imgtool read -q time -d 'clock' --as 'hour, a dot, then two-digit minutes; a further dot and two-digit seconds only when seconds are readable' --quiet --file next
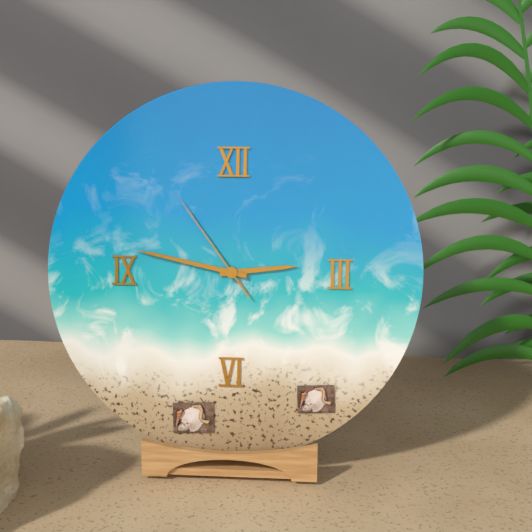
2.47.54
